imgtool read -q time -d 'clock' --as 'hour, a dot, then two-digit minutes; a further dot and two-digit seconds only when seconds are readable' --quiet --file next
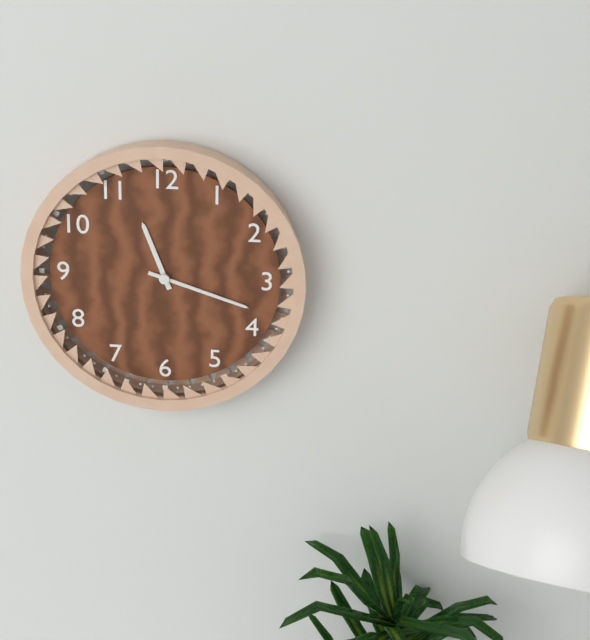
11.18
